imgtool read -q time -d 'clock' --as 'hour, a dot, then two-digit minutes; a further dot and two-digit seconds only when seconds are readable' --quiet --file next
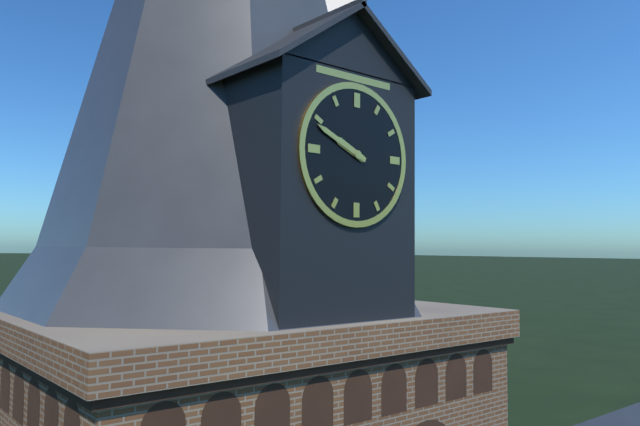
9.49
